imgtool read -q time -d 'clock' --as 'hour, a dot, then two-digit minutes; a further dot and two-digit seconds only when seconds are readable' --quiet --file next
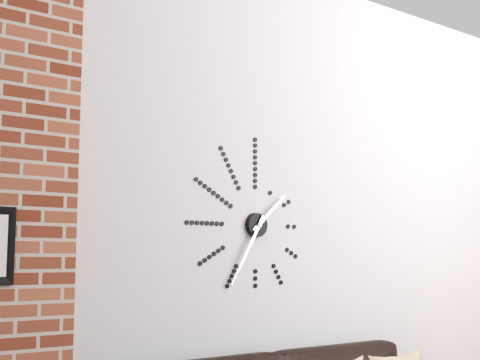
1.35
